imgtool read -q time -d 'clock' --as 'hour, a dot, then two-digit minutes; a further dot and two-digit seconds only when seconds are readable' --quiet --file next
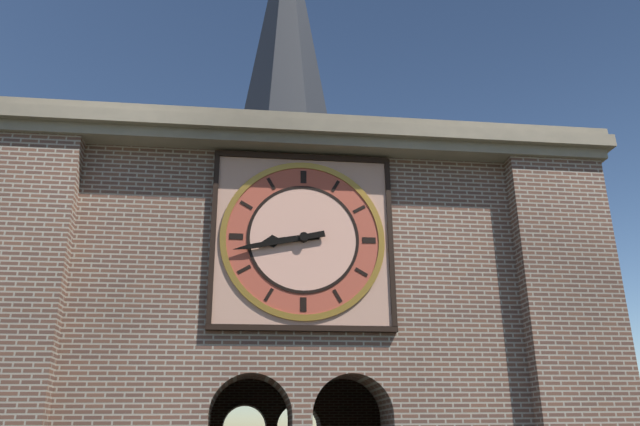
8.43
